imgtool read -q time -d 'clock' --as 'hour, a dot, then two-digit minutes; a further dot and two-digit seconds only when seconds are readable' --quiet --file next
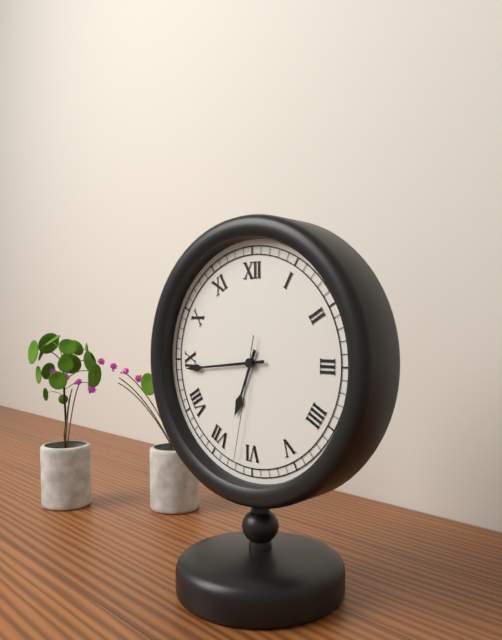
6.44.32
